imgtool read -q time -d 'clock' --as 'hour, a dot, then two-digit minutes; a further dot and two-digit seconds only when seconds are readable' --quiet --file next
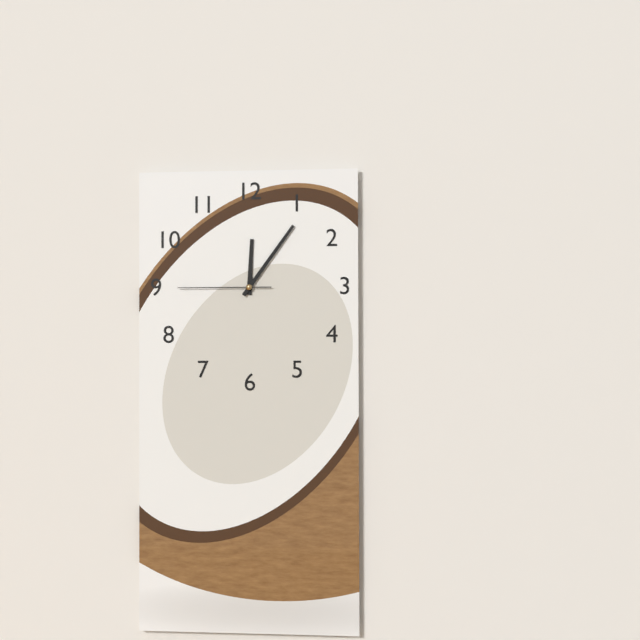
12.06.45
